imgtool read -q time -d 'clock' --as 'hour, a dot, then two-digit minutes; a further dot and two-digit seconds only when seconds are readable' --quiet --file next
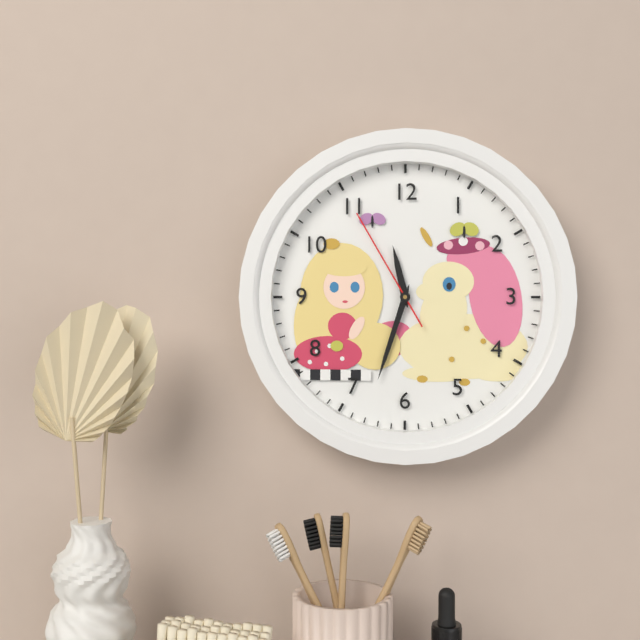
11.33.55
